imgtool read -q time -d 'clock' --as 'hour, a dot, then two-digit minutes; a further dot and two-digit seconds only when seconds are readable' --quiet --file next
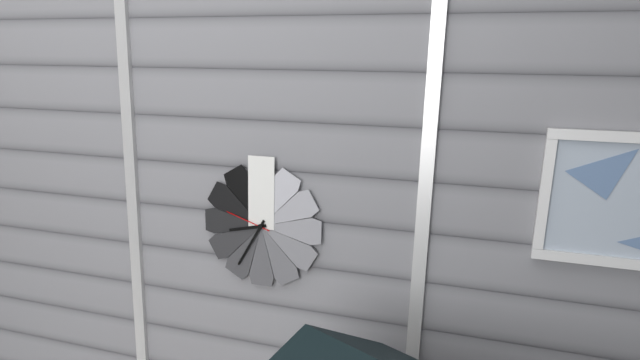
8.35
